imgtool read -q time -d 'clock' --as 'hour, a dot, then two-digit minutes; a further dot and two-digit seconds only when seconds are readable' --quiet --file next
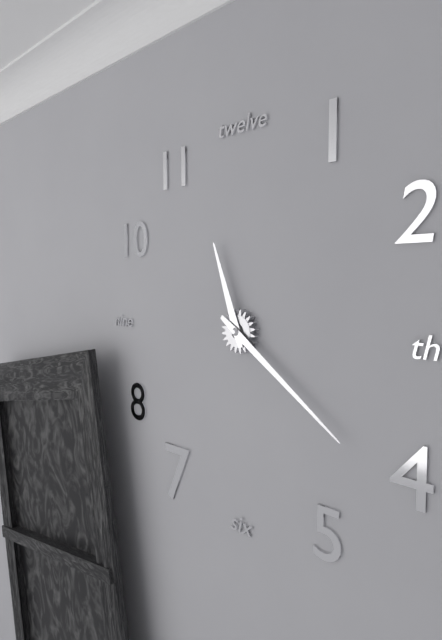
11.21
